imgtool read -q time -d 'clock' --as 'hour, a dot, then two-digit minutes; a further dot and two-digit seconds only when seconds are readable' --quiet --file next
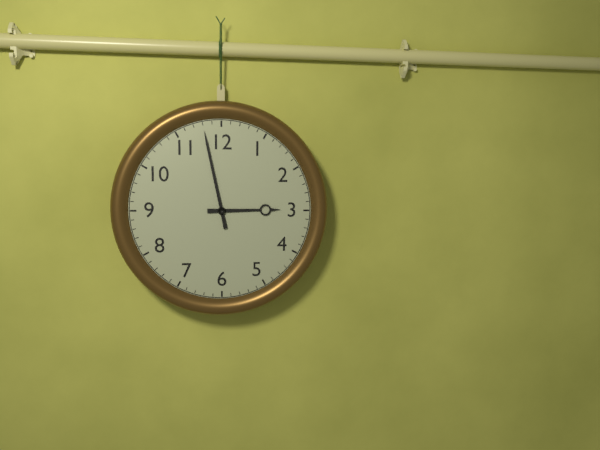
2.58
